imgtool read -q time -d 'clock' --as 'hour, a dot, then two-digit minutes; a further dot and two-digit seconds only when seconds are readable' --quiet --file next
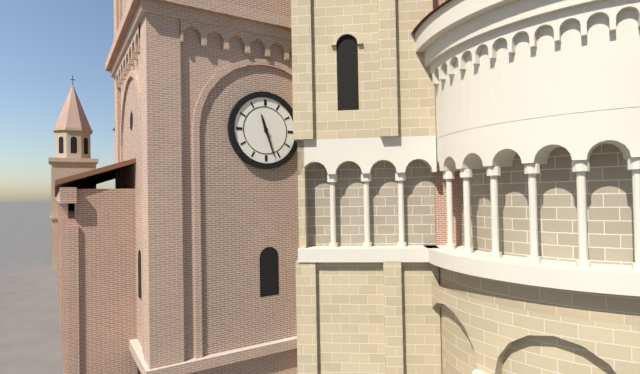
11.27
